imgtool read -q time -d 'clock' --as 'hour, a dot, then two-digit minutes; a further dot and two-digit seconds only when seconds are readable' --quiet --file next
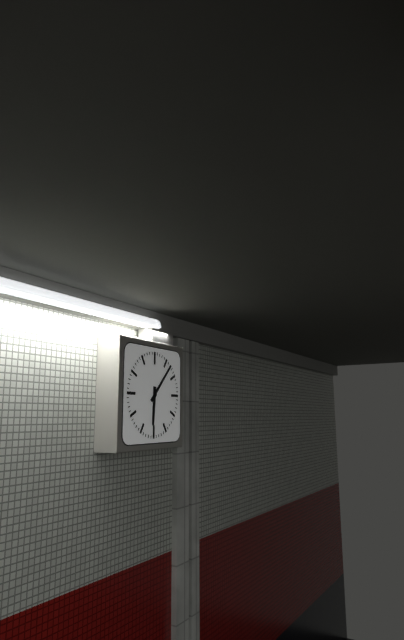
6.07
